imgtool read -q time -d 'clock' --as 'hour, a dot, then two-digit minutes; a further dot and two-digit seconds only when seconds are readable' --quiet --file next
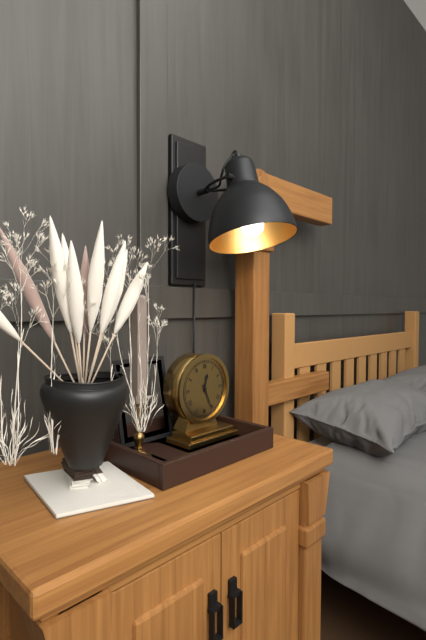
12.26
